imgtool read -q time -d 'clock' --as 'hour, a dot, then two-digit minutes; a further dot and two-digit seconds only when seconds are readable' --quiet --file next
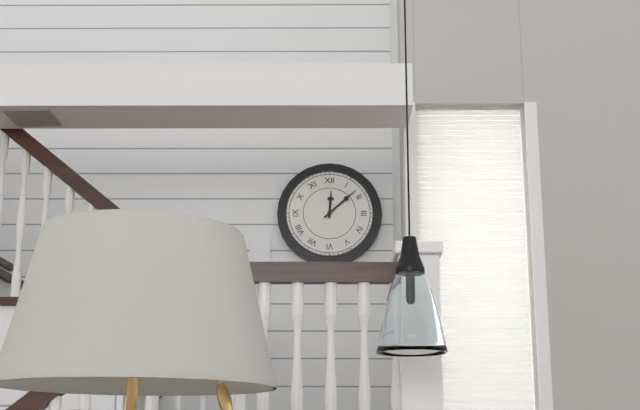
12.08
